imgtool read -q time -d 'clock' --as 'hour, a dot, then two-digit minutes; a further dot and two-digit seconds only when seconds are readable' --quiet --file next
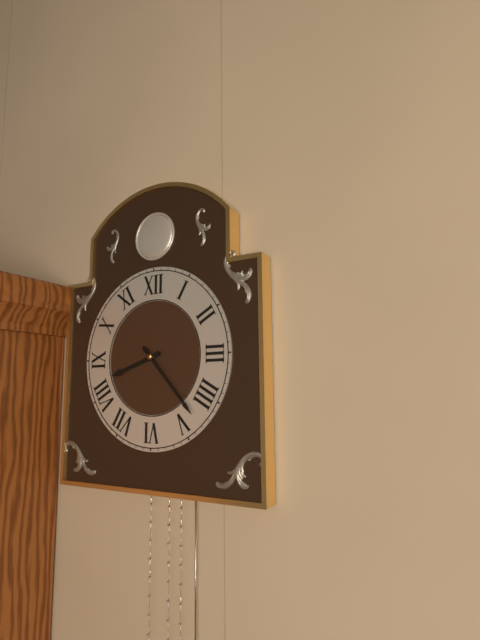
8.23
